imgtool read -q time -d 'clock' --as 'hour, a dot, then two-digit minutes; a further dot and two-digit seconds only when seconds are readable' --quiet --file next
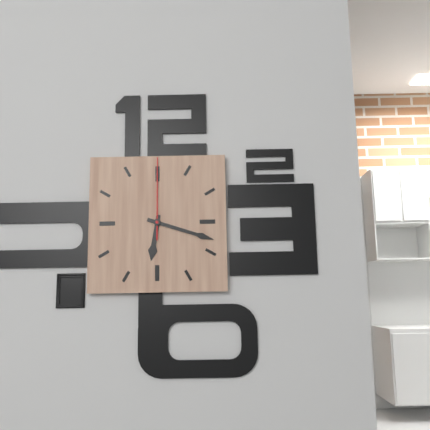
6.18.00
